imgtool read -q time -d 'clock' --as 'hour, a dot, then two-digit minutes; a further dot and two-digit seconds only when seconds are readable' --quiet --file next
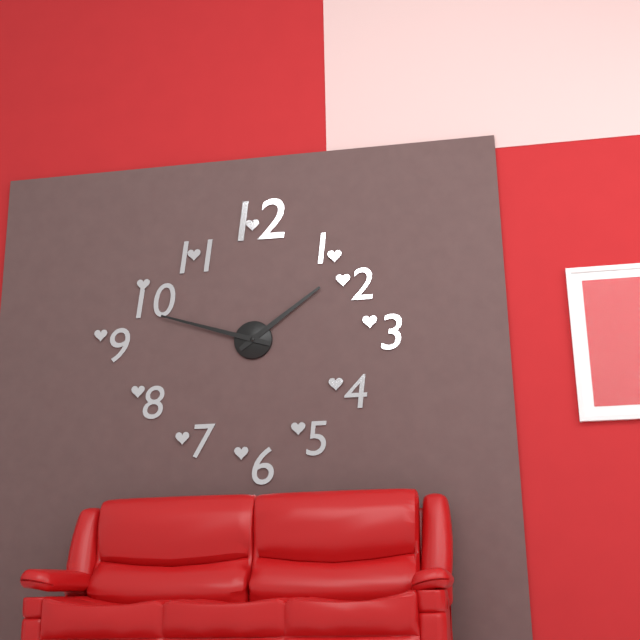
1.48
